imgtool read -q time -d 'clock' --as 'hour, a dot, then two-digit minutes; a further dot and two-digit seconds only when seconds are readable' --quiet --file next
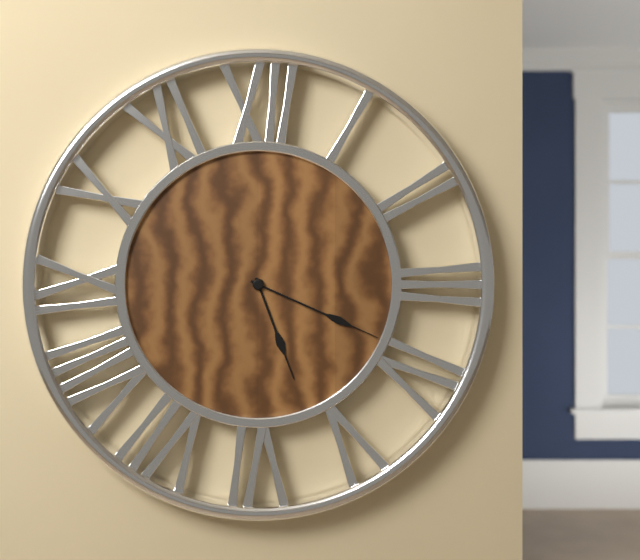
5.19
